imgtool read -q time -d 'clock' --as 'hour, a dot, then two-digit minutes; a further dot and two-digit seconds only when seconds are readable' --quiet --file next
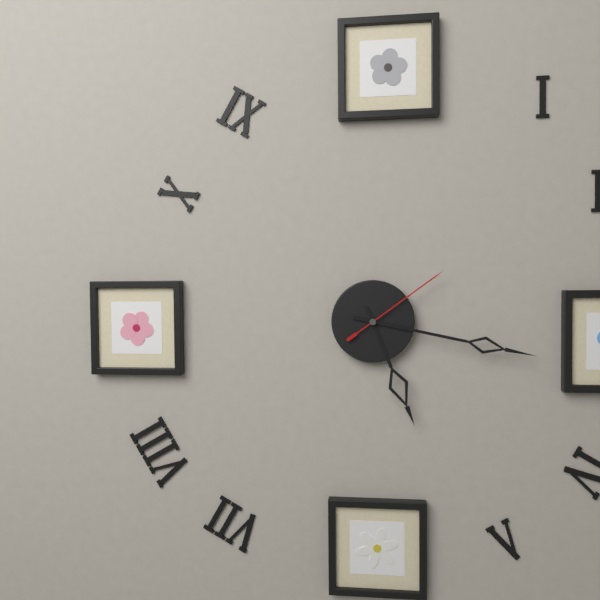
5.17.09
